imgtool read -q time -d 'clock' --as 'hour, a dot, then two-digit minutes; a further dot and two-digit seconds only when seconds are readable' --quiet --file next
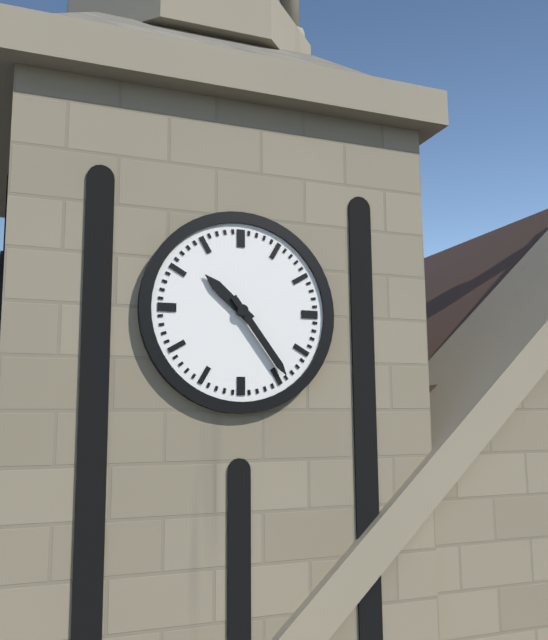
10.24
